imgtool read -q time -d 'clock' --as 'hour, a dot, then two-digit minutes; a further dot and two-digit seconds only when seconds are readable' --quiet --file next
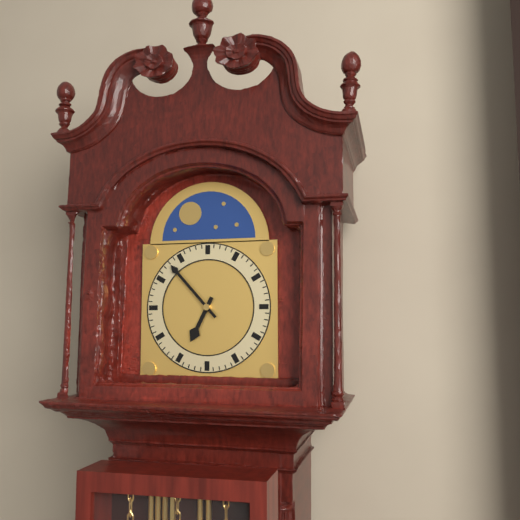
6.53
